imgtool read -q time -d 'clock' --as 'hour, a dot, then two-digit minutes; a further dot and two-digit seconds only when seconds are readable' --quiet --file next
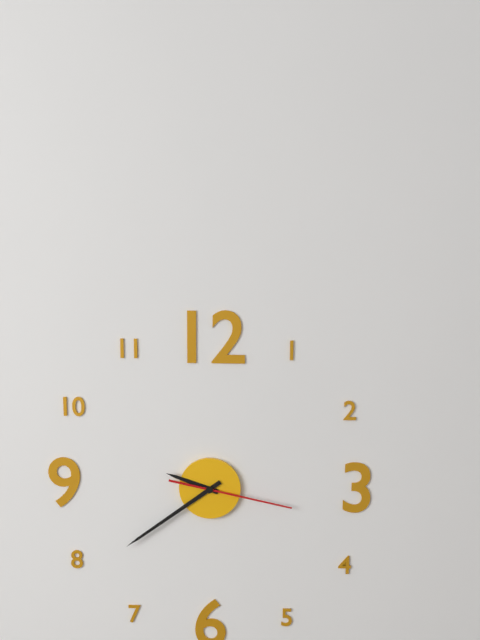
9.39.17
